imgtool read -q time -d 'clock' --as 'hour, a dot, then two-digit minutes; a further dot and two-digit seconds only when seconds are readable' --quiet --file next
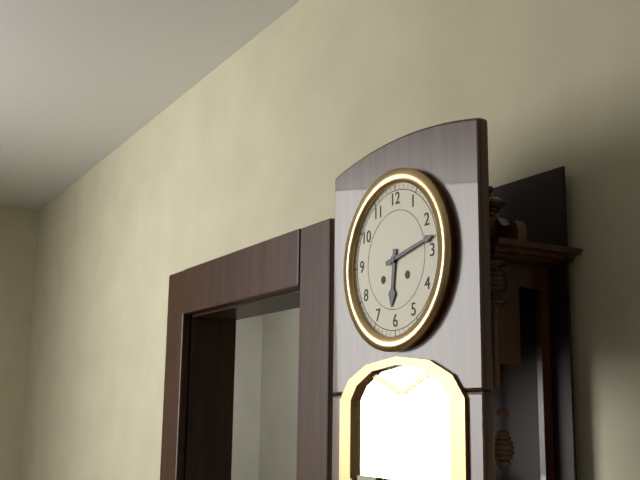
6.13
